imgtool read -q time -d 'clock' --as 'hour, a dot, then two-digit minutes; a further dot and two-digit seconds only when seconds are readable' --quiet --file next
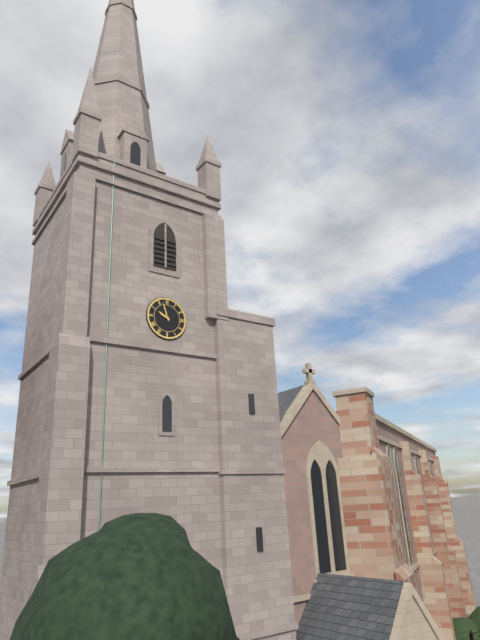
9.57
